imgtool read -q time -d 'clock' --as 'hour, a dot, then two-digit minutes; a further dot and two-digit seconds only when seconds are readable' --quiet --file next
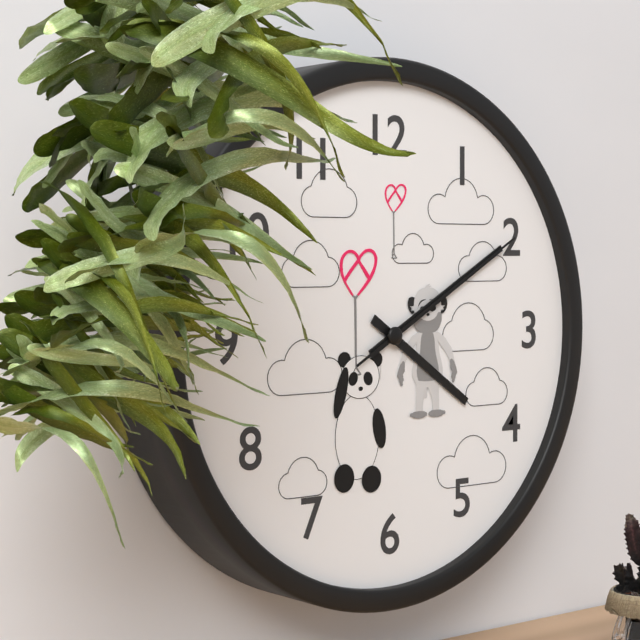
4.10.10
